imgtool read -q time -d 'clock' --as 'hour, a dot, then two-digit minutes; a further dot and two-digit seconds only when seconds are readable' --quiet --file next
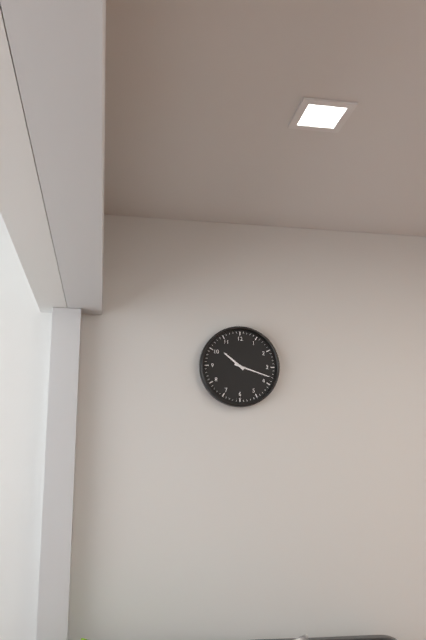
10.18
